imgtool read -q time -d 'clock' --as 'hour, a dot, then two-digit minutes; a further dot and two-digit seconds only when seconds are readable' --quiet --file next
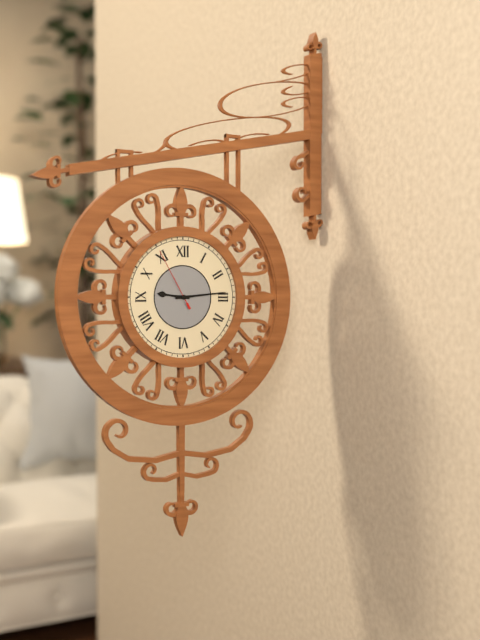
9.14.55
